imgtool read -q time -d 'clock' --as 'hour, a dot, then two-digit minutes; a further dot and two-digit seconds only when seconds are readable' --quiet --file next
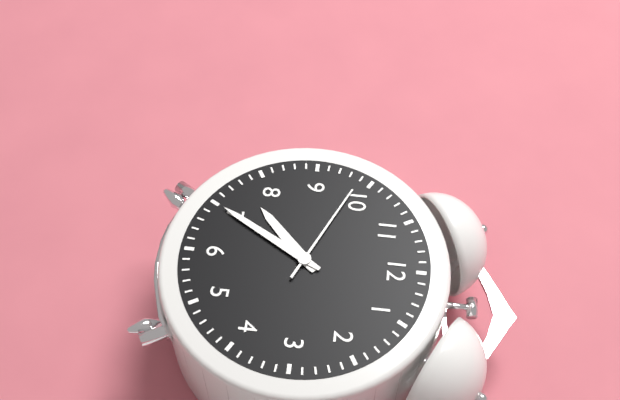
7.35.49
